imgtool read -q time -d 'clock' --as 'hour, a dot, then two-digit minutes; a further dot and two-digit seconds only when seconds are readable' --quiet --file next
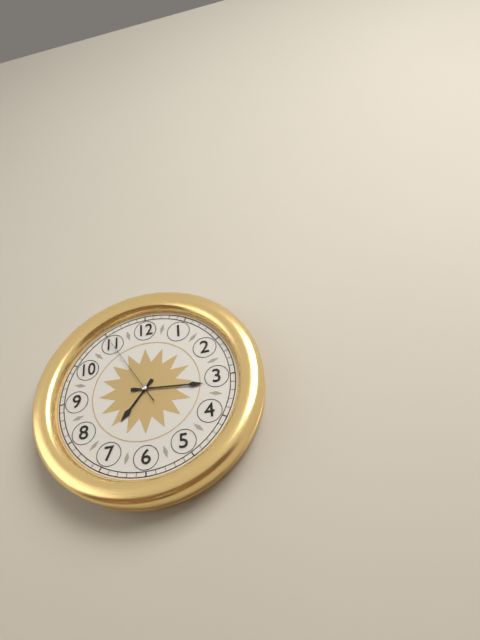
7.16.55
